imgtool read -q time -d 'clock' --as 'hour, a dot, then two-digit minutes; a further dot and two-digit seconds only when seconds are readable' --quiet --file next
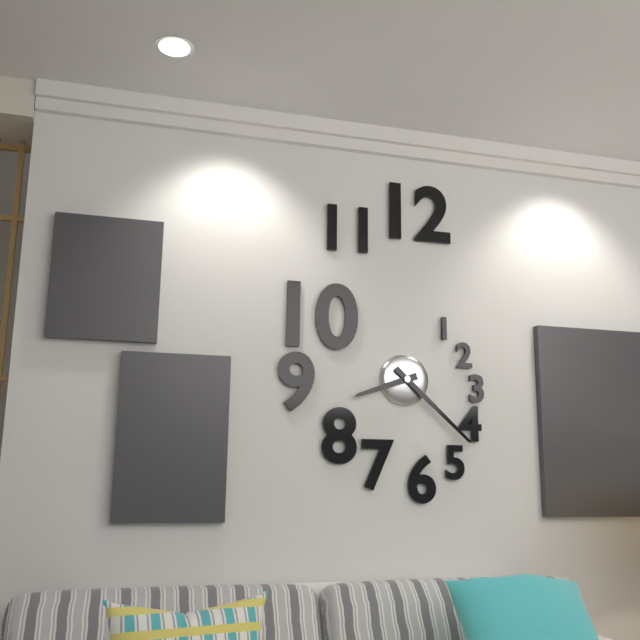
8.22
